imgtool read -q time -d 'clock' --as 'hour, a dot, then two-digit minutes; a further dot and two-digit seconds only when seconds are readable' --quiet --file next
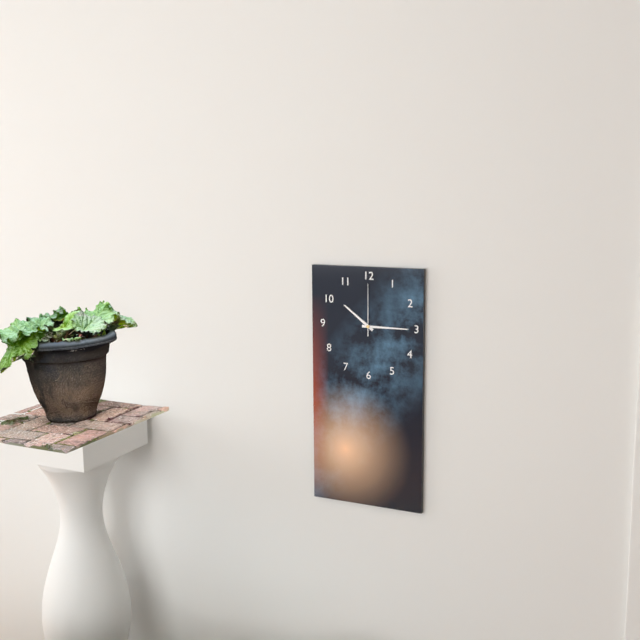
10.15.00
